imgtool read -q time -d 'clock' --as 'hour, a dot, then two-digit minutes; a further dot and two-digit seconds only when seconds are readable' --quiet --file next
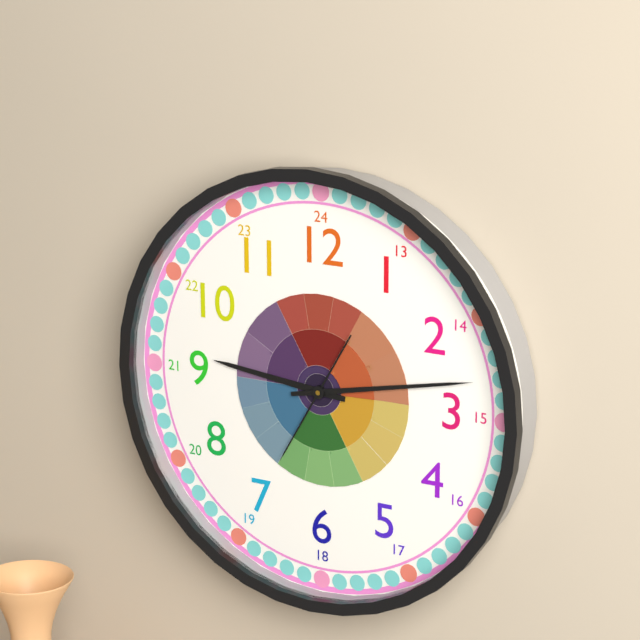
9.13.35
